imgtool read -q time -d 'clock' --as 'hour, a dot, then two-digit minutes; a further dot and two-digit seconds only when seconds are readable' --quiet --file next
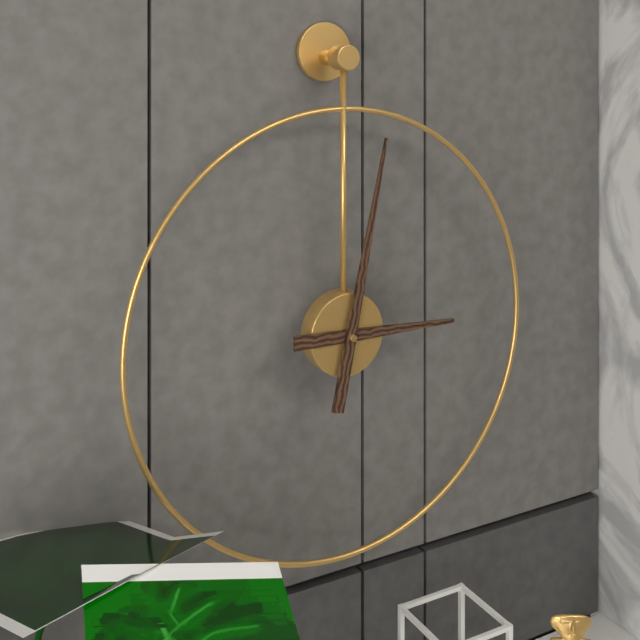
3.02
